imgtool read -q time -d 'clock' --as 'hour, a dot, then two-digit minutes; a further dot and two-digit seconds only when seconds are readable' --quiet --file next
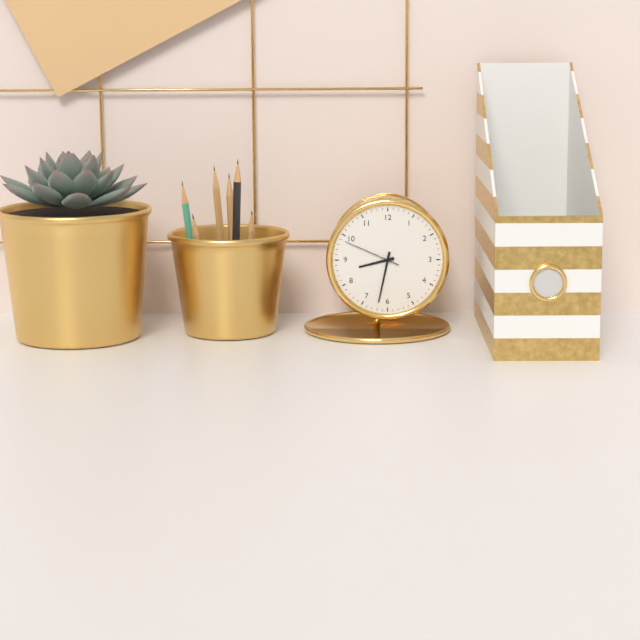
8.32.49
